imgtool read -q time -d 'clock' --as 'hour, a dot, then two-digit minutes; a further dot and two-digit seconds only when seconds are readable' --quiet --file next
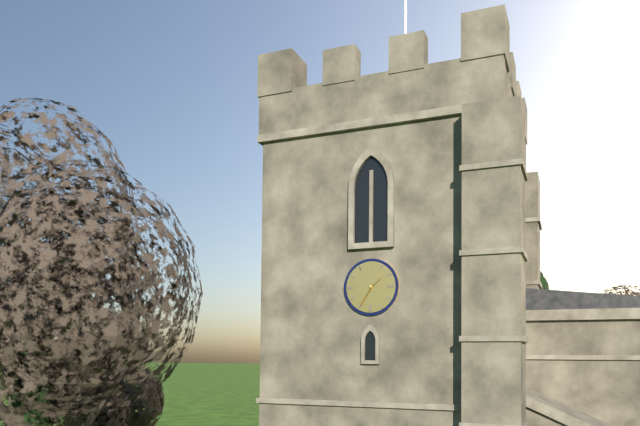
1.35
